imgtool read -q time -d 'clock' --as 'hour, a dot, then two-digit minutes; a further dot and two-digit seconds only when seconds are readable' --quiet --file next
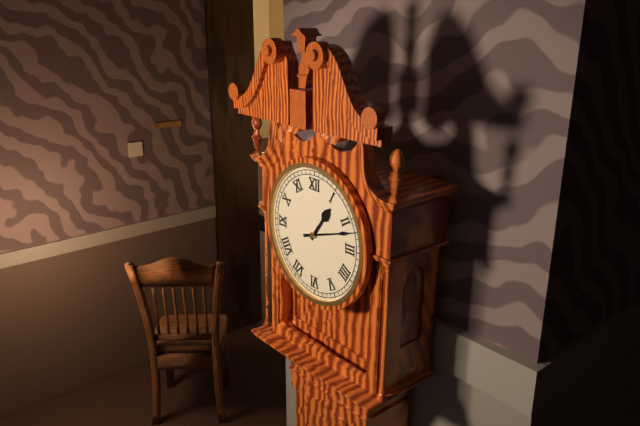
1.12
